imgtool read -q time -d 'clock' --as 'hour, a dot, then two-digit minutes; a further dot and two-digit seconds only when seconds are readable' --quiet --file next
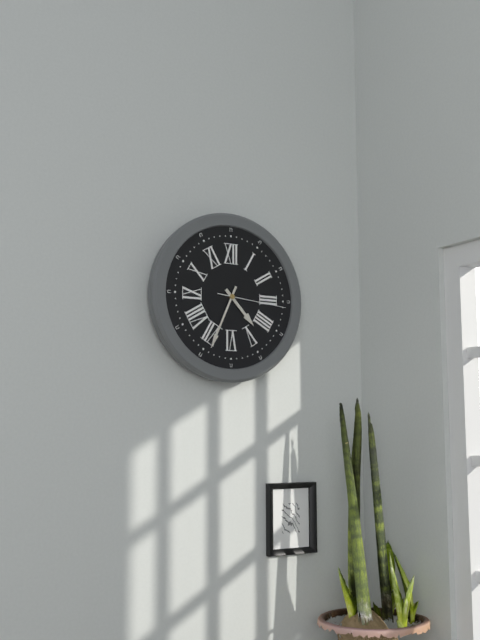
4.34.16
